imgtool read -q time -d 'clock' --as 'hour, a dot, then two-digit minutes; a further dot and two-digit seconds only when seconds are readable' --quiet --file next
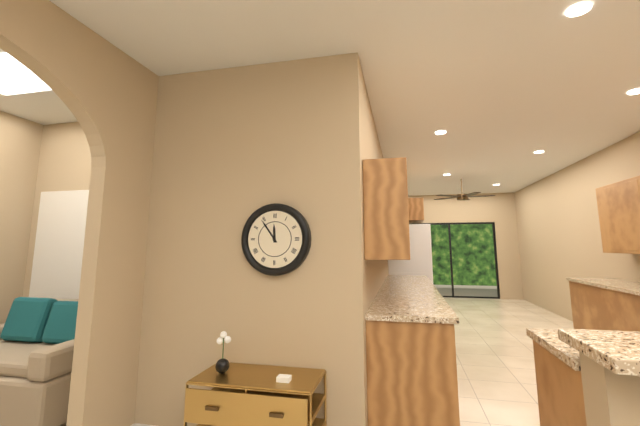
11.54
